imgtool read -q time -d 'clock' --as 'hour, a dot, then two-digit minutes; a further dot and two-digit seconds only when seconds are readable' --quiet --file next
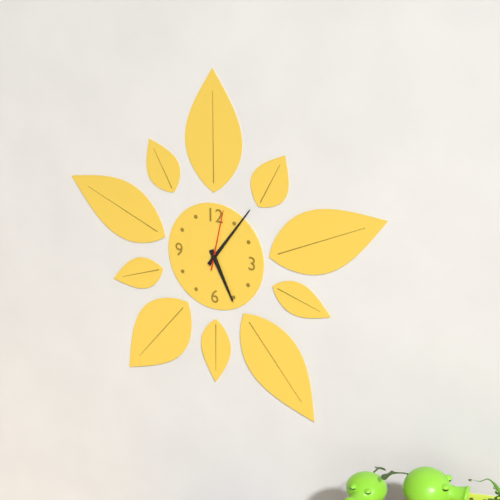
5.06.02
